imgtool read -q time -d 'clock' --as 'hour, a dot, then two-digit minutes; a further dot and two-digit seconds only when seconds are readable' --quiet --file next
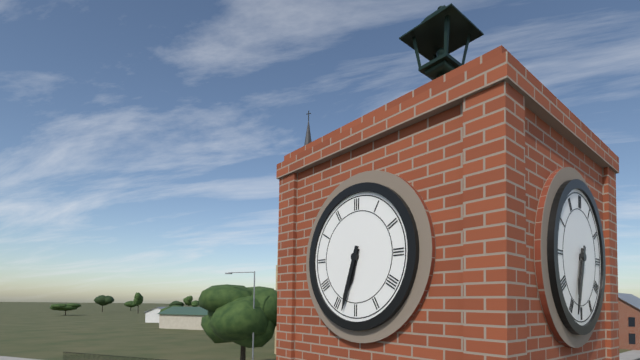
6.33
